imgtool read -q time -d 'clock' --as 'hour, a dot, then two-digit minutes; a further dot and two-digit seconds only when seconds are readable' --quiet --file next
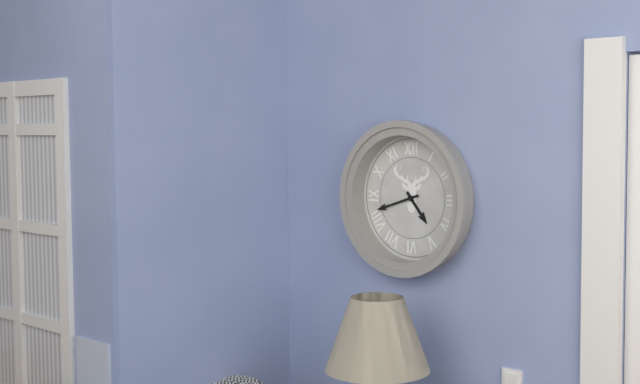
4.42
